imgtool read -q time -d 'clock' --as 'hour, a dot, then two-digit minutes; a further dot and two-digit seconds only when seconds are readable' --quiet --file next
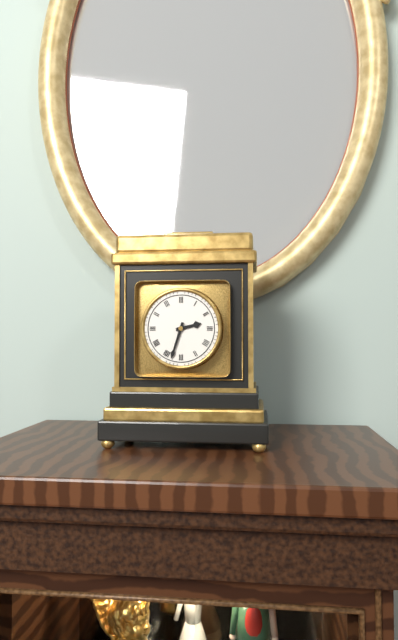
2.33
